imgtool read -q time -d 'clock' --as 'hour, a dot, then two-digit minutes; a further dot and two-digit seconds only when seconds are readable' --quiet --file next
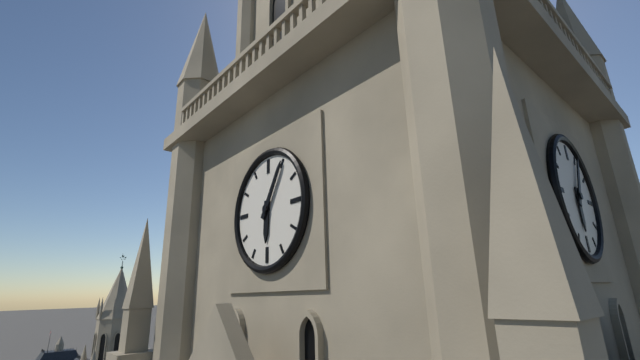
6.05
